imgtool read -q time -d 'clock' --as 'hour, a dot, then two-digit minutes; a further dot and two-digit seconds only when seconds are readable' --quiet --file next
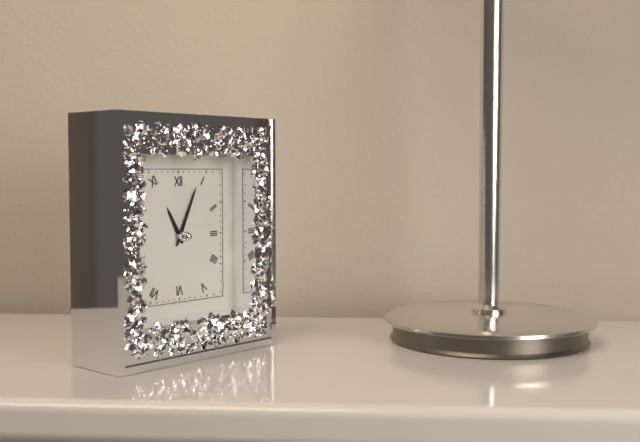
11.04
